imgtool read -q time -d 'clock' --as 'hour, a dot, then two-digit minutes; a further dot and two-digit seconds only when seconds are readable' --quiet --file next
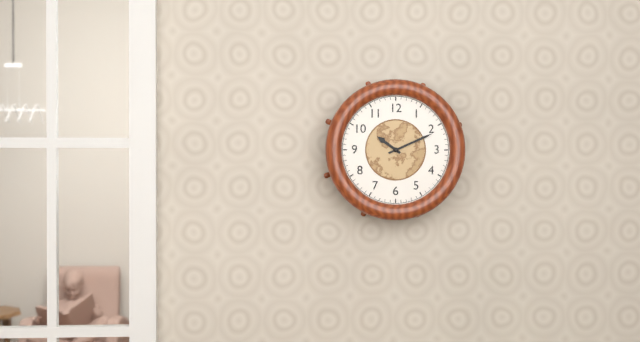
10.11
